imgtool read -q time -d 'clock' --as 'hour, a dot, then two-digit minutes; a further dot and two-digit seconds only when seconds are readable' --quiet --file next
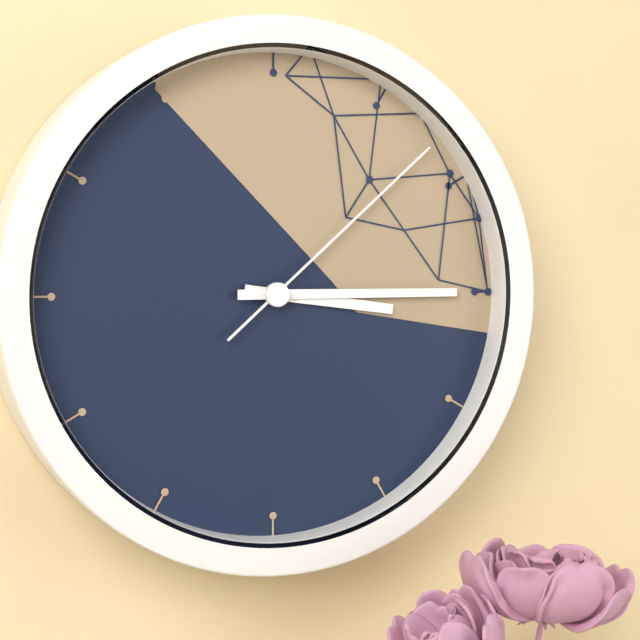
3.15.08
